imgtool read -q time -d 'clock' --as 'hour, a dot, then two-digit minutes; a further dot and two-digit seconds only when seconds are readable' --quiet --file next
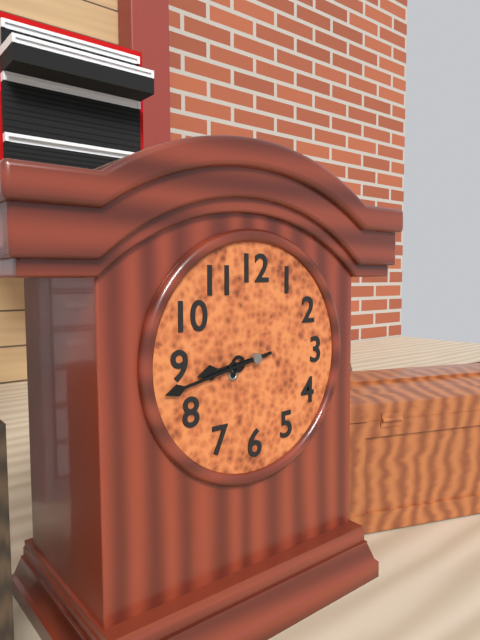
8.43
